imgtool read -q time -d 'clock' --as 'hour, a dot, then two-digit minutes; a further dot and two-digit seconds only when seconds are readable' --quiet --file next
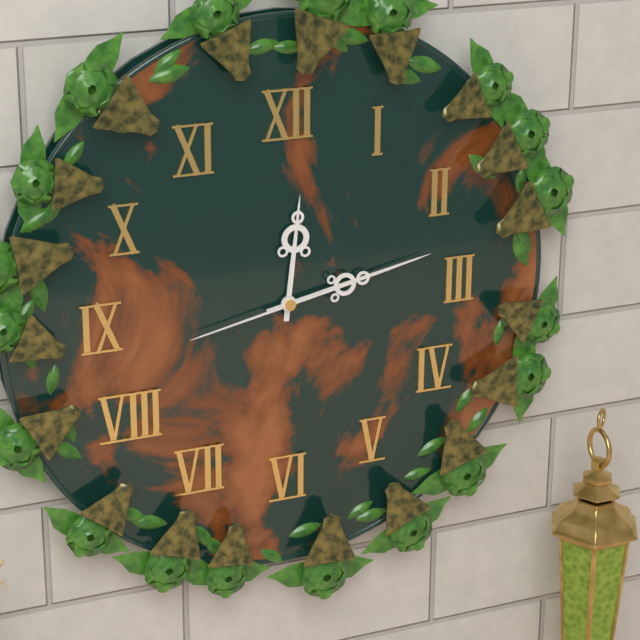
12.13.43
